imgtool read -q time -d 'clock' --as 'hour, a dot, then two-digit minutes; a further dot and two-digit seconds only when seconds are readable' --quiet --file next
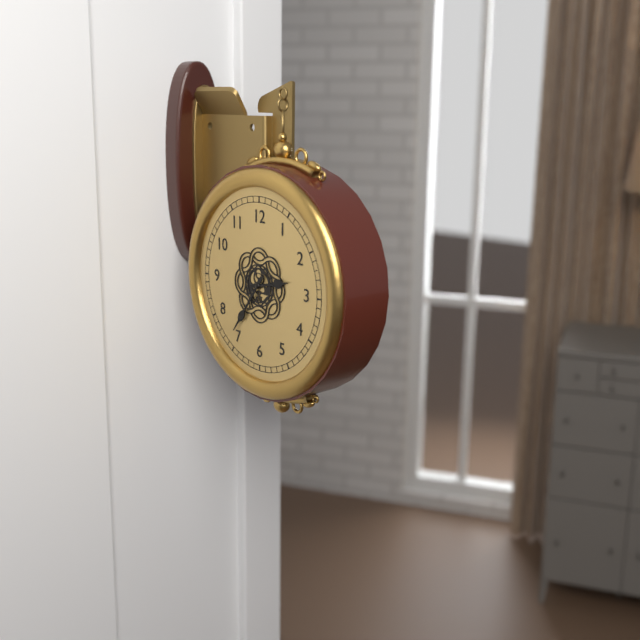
2.36
